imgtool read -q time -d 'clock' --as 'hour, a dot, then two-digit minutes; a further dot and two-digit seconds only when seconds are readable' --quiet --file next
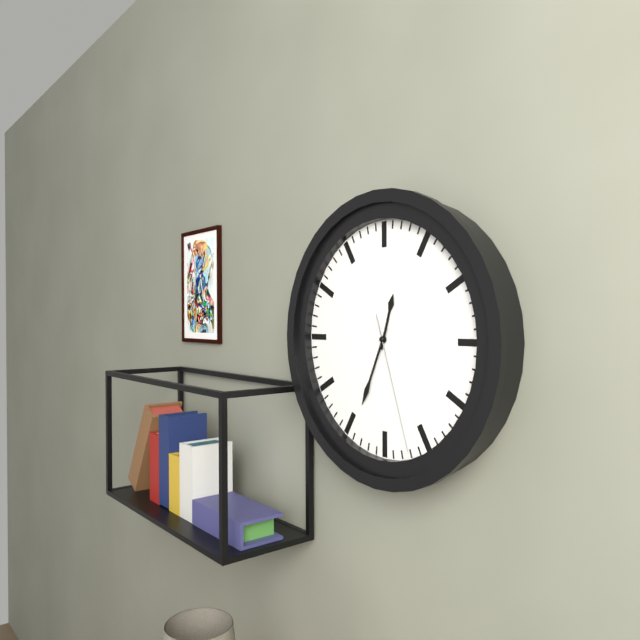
12.34.27
